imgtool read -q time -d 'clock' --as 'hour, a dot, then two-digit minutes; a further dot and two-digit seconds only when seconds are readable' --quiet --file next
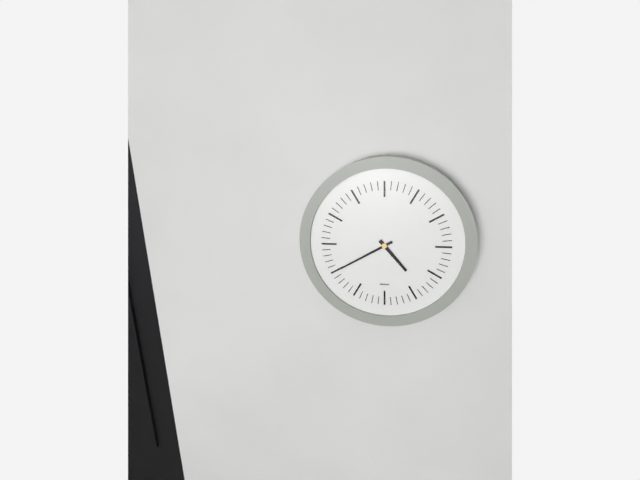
4.40
